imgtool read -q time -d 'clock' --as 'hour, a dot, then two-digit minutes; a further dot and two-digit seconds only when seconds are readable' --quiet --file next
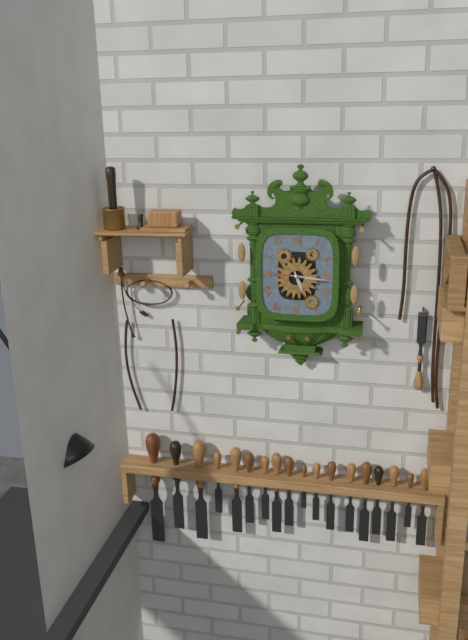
5.16
